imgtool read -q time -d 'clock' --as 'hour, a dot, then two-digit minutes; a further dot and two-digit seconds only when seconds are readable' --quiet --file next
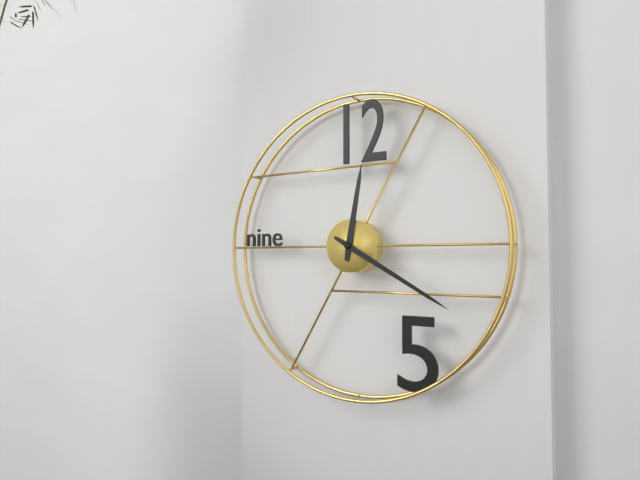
12.20
